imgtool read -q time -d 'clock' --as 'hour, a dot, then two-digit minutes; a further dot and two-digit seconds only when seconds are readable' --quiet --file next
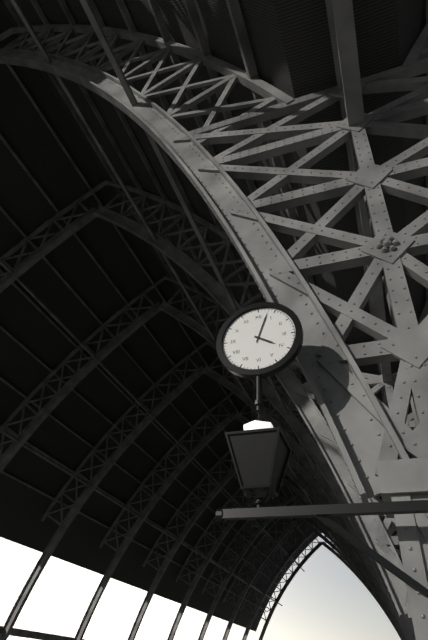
4.03
